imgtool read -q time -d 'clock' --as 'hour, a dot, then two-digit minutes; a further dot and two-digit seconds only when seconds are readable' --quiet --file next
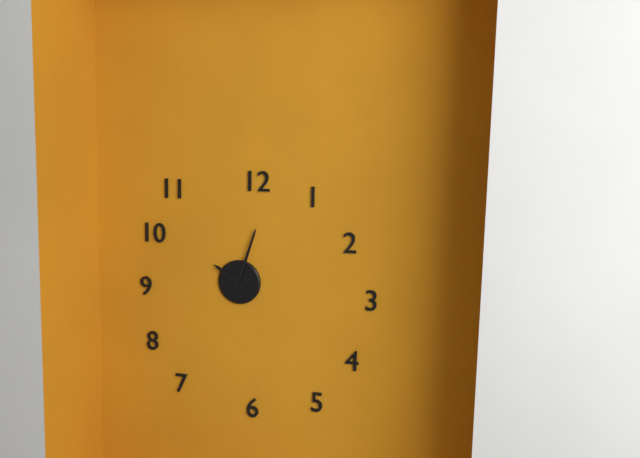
10.03
